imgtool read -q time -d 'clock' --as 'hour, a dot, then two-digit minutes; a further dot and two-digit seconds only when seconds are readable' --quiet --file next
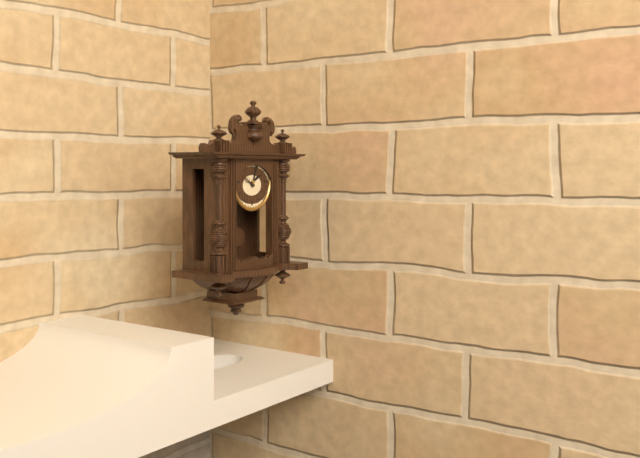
2.04
